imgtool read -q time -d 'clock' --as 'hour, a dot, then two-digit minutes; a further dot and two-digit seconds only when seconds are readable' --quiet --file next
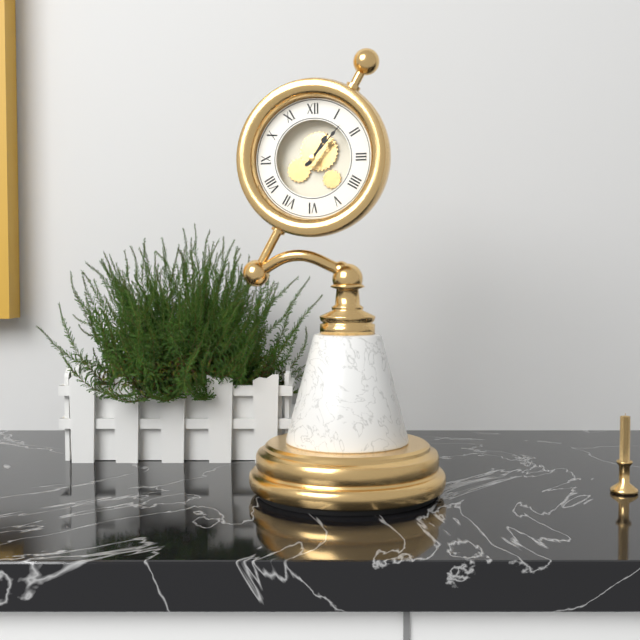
1.07
